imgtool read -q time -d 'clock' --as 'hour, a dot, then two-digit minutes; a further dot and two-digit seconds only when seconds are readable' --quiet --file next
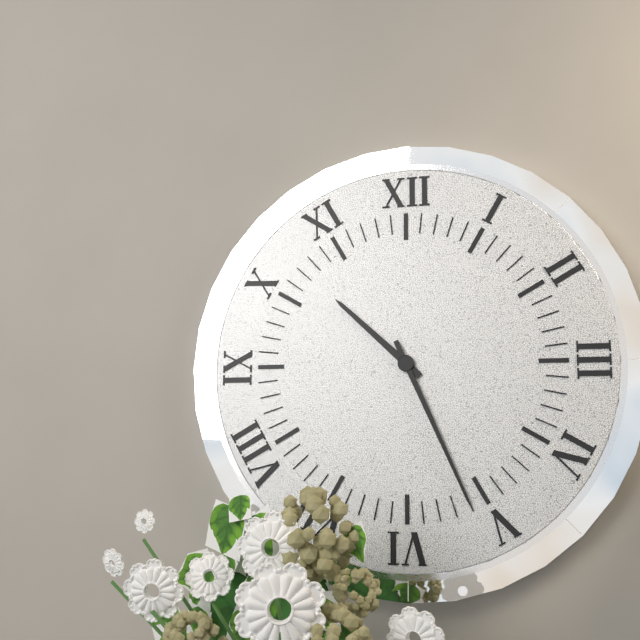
10.26
